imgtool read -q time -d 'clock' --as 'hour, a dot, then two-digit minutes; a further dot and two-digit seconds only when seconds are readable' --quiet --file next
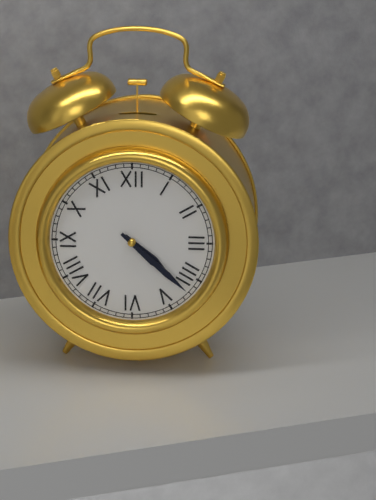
4.22
